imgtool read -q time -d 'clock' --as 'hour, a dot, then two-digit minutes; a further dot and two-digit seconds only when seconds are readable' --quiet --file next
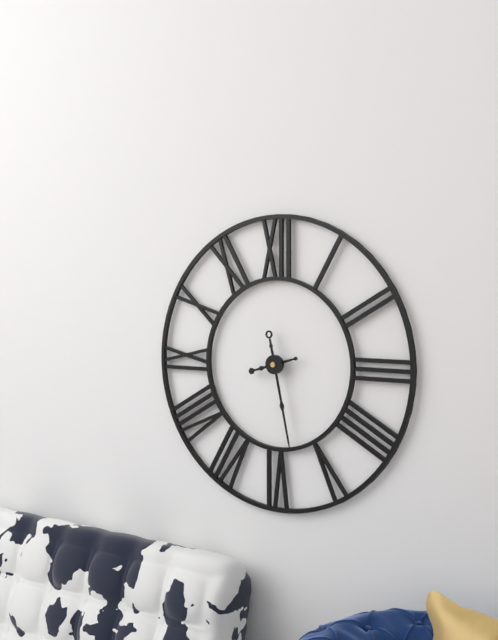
8.28
